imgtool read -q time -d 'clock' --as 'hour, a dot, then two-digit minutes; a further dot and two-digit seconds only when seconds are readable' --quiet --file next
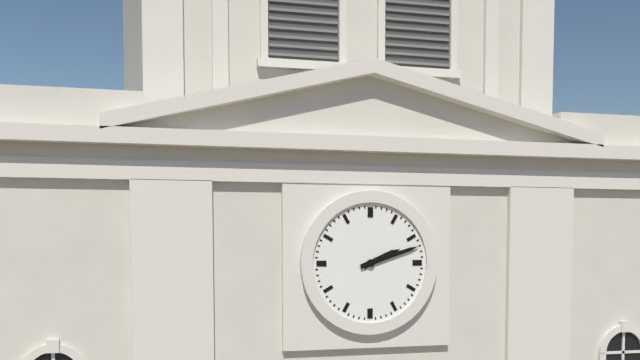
2.12
